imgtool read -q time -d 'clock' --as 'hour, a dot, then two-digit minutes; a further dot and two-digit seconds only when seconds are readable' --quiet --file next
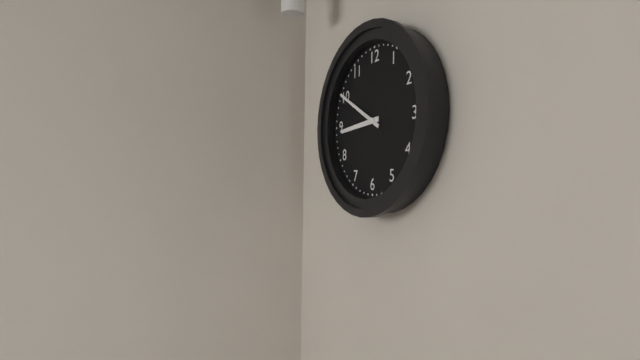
8.50
